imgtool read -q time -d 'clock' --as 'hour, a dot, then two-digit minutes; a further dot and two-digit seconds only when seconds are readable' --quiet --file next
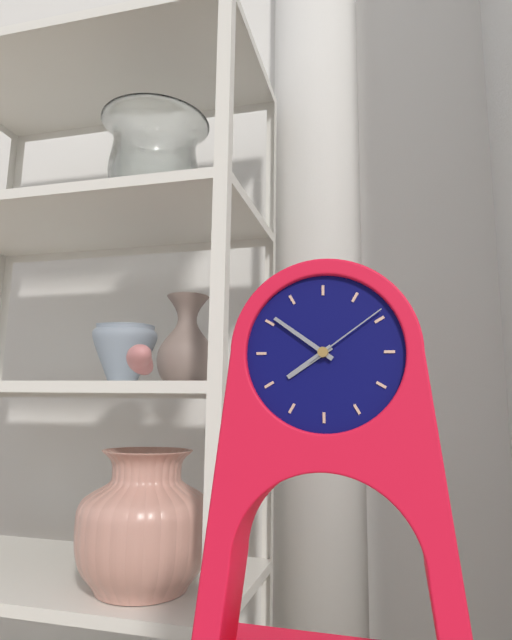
7.51.09
